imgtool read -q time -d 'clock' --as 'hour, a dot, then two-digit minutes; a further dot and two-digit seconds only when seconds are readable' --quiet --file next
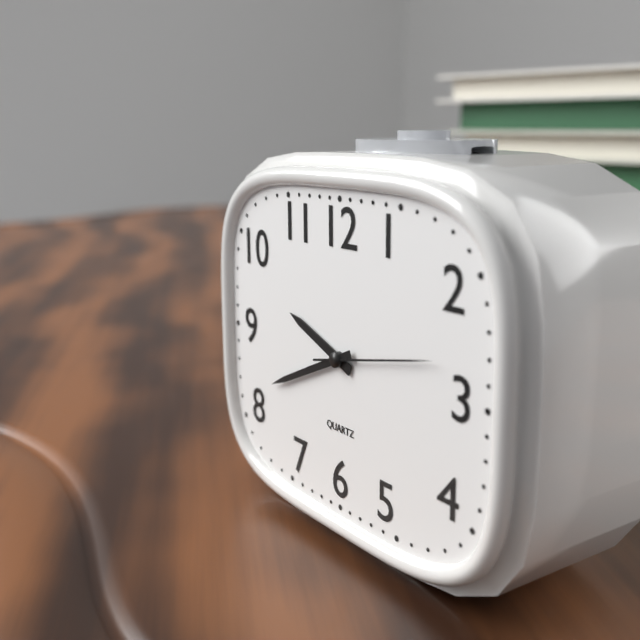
9.41.13
